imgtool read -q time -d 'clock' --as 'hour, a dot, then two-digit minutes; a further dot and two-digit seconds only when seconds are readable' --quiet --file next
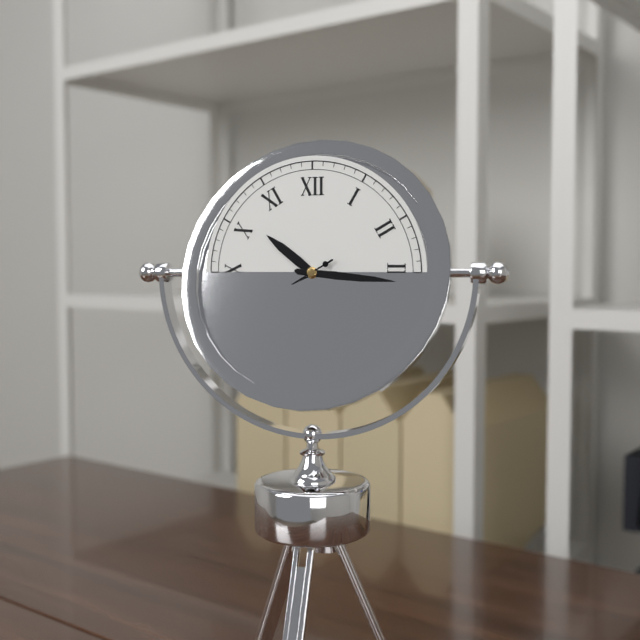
10.16
